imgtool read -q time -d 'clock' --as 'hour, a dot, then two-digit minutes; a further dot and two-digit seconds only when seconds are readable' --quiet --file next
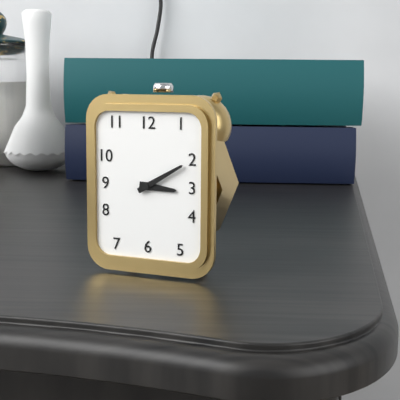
3.10
